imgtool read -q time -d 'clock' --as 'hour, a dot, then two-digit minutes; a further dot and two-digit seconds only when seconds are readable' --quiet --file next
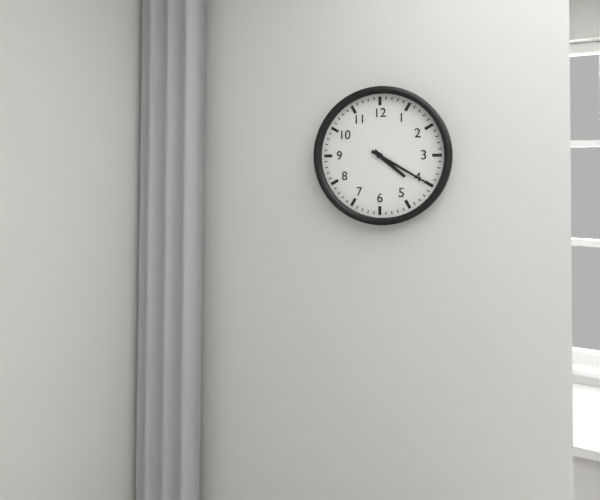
4.20
